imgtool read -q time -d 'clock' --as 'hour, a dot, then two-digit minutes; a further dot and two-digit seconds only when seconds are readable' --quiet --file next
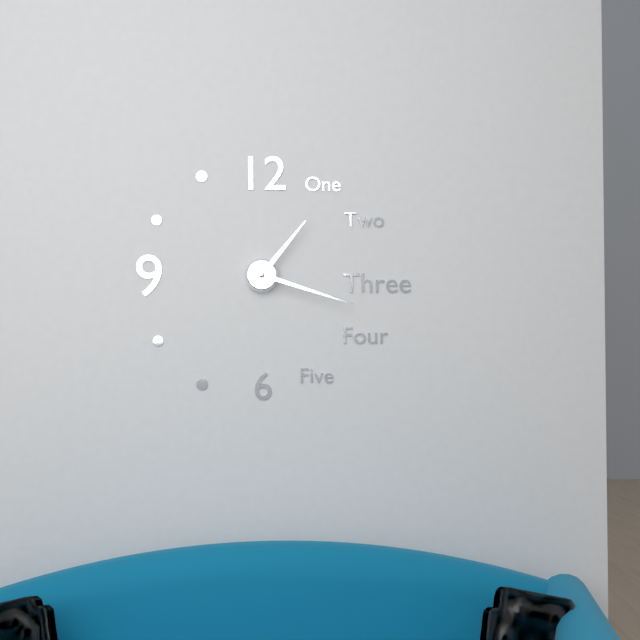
1.18
